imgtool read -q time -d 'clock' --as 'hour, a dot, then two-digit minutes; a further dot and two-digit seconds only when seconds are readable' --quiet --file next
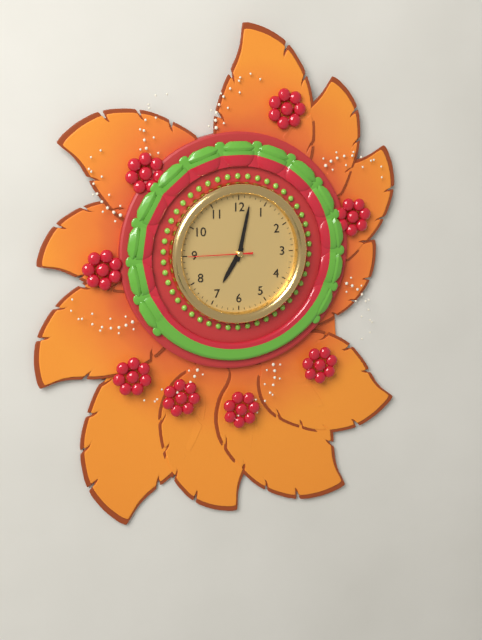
7.02.45
